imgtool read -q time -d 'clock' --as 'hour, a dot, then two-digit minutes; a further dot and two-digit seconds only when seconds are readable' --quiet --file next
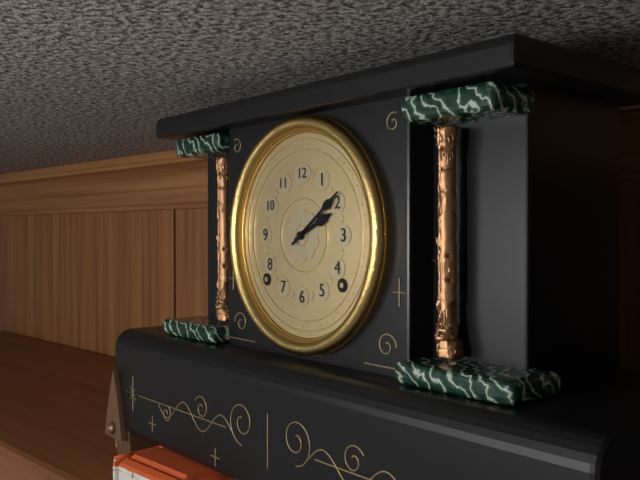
2.09
